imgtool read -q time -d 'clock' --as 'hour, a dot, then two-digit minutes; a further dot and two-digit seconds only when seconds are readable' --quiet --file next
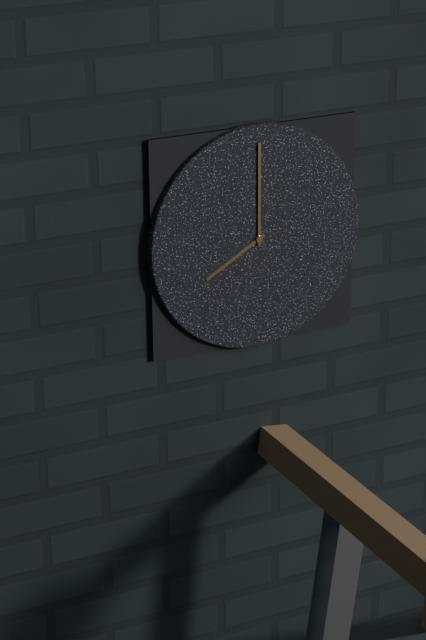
8.00
